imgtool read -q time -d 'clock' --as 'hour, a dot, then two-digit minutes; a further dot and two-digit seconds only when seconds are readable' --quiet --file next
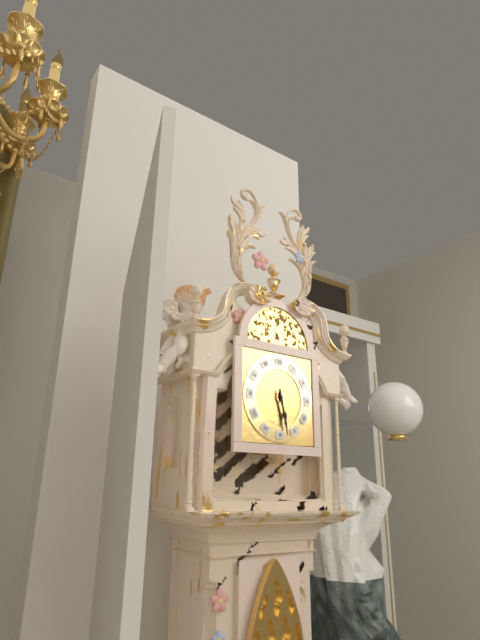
5.28
